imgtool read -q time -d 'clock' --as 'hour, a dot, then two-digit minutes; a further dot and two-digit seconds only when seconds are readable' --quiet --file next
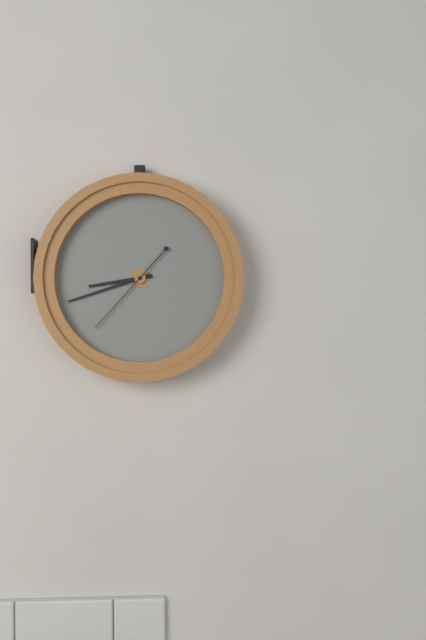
8.42.37
